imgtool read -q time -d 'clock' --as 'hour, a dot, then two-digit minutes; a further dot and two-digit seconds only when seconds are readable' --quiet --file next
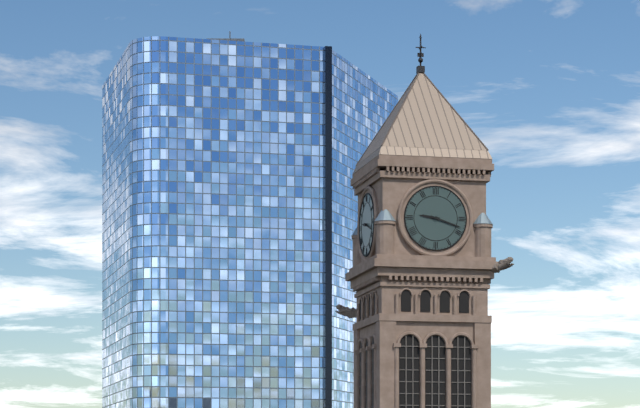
9.18
